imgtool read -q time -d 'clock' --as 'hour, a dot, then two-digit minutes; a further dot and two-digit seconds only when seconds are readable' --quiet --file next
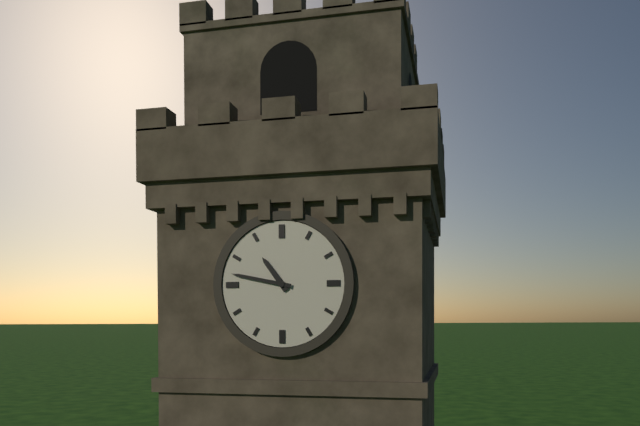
10.47
